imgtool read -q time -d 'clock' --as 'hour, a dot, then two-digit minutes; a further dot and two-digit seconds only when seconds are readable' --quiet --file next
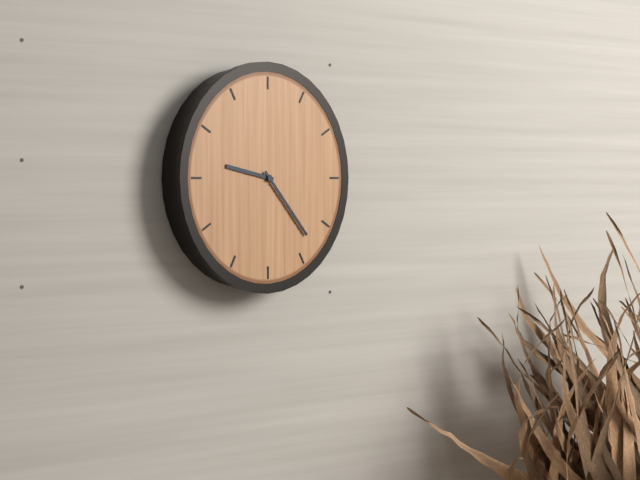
9.23
